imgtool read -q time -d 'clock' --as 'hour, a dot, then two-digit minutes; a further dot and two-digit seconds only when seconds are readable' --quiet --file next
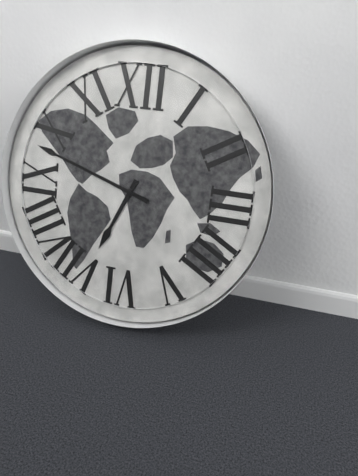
6.48
